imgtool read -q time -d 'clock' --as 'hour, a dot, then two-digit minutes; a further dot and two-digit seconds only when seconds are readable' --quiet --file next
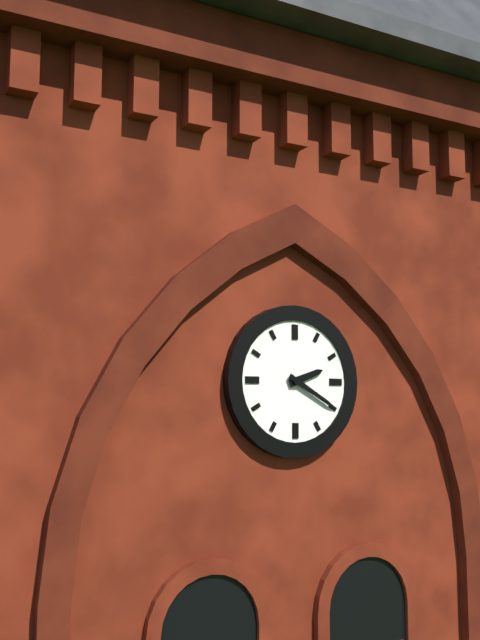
2.20
